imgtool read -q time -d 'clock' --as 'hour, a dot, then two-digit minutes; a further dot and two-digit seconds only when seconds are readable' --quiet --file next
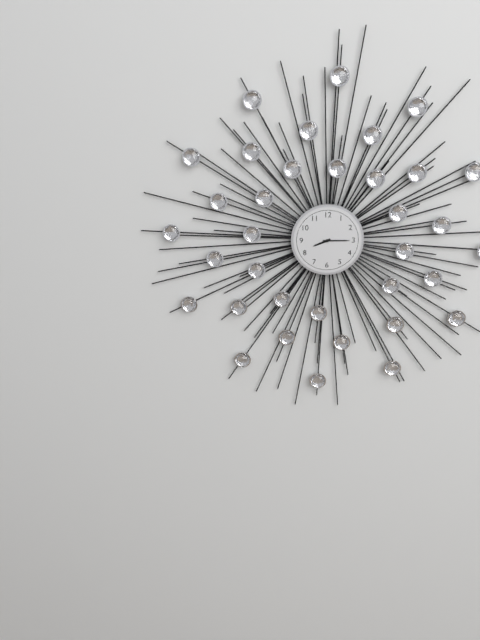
8.15
